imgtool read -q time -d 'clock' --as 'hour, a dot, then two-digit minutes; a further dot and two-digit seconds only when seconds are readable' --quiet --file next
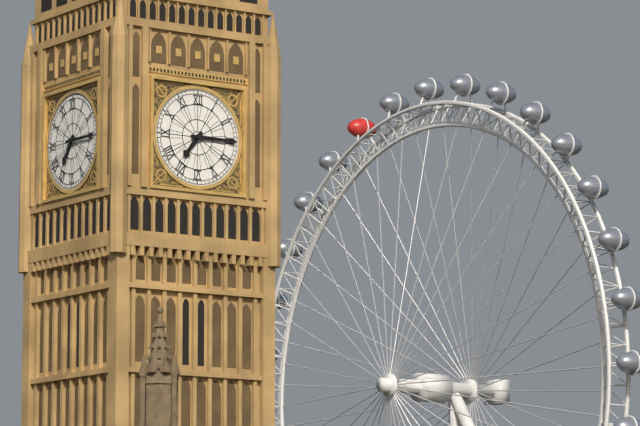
7.15
